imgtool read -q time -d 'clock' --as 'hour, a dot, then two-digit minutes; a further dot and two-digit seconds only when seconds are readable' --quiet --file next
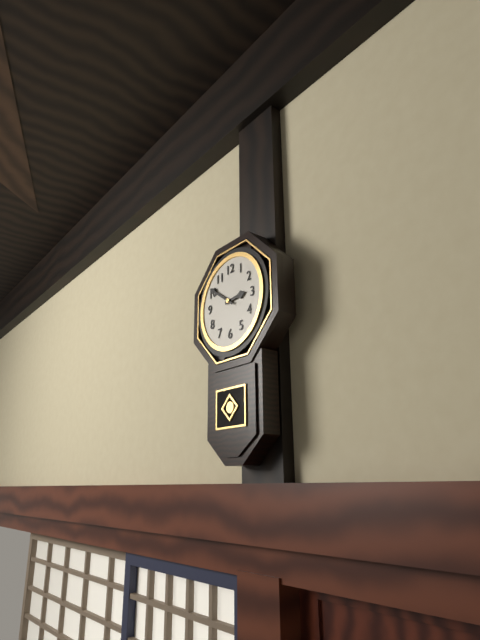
2.51
